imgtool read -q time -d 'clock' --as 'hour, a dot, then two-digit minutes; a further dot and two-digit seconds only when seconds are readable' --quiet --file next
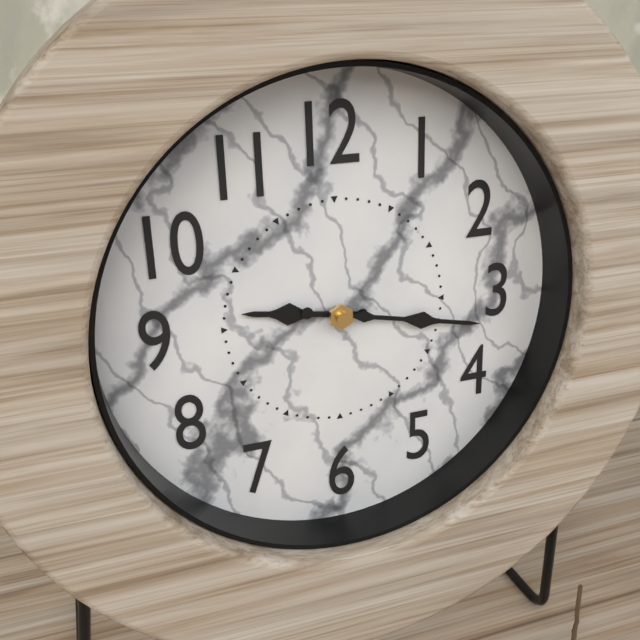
9.17
